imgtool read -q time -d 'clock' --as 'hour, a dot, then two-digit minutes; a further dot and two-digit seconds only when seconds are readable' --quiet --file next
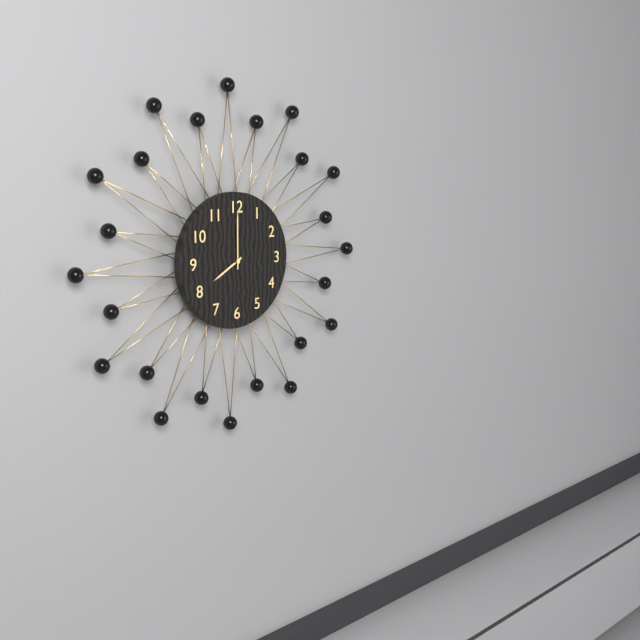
8.00
